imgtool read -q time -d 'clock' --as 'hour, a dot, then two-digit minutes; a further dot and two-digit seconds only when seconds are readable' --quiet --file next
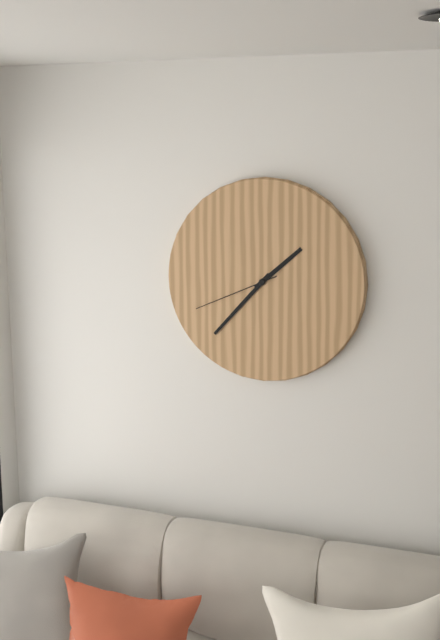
1.37.41
